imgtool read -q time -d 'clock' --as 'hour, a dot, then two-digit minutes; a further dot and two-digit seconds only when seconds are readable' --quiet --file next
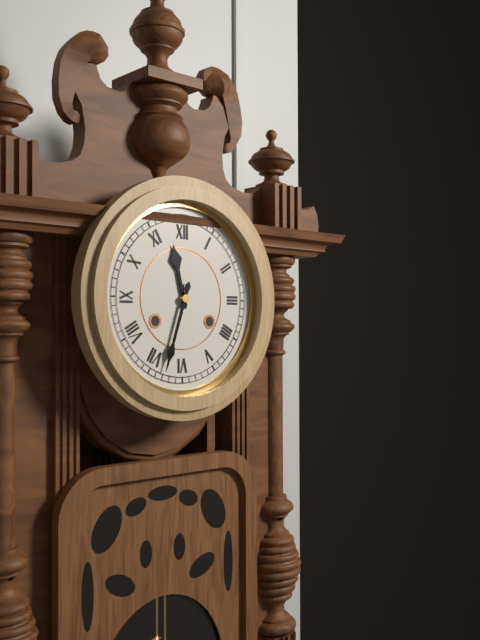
11.33
